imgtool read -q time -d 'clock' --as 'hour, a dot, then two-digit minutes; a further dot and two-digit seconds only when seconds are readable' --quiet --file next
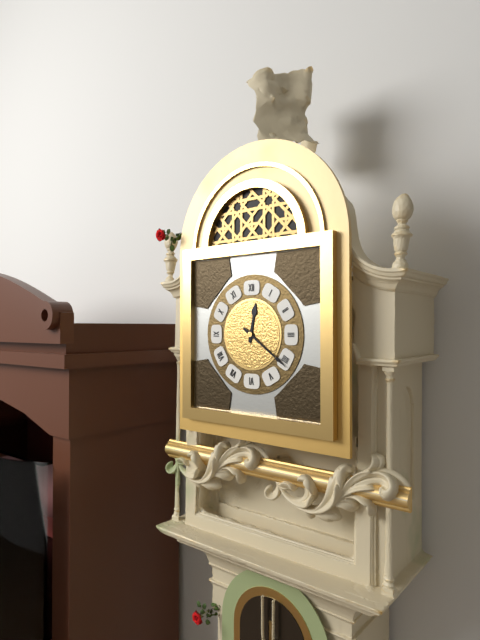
12.21
